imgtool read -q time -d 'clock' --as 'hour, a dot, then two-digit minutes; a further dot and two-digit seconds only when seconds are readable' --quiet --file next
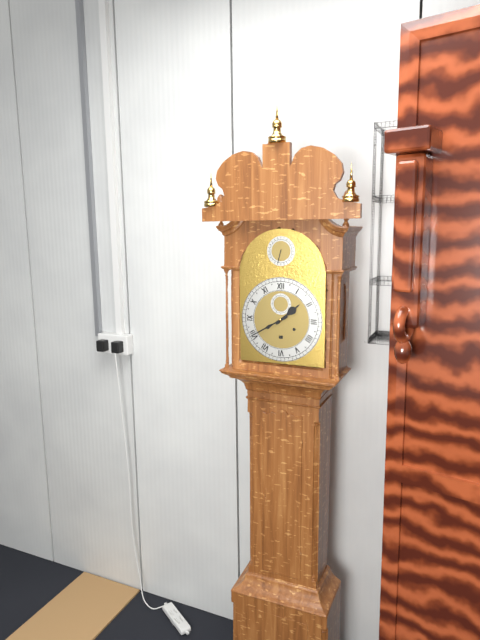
1.40
